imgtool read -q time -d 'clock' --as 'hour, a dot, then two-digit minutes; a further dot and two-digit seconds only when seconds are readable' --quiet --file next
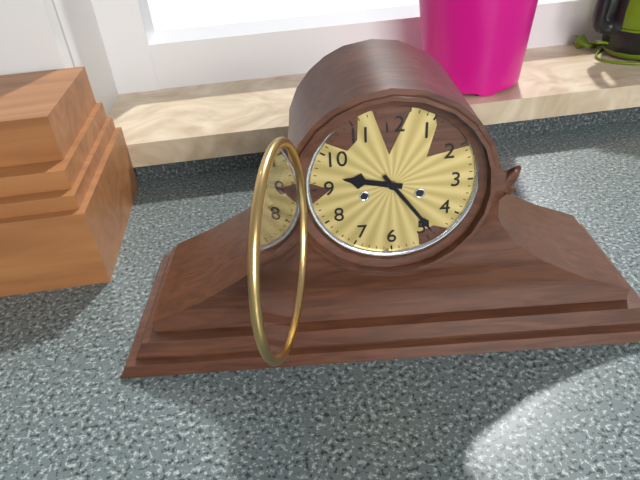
9.24
